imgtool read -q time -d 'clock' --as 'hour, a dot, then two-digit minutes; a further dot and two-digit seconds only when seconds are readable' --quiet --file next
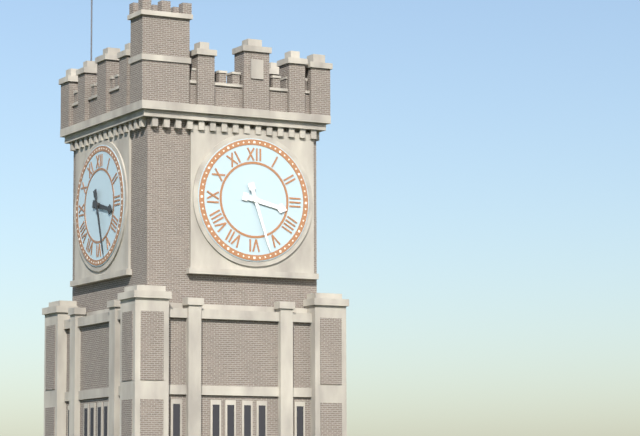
3.27
